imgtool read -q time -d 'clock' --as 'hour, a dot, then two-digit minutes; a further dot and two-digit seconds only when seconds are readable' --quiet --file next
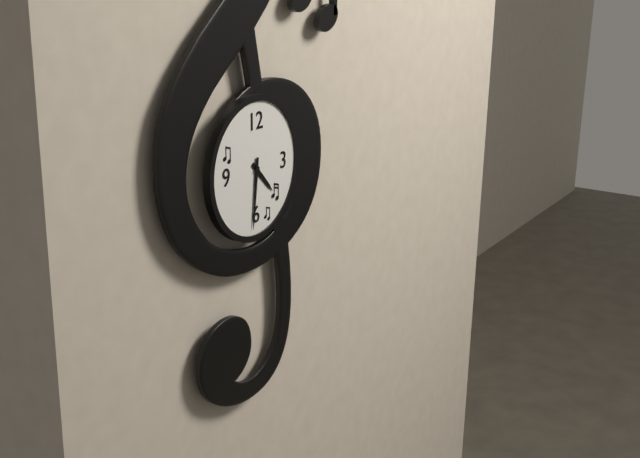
4.31
